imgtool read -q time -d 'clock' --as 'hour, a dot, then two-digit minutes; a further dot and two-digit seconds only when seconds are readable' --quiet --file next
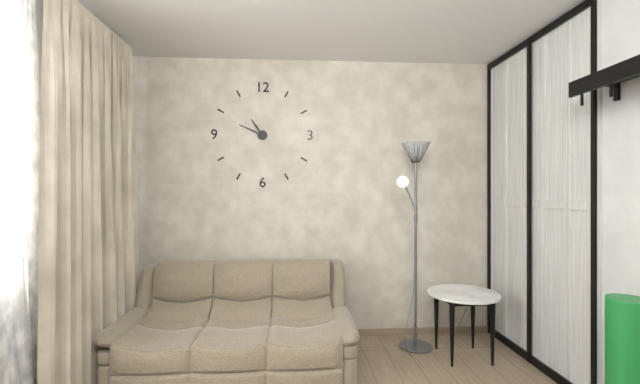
10.49
